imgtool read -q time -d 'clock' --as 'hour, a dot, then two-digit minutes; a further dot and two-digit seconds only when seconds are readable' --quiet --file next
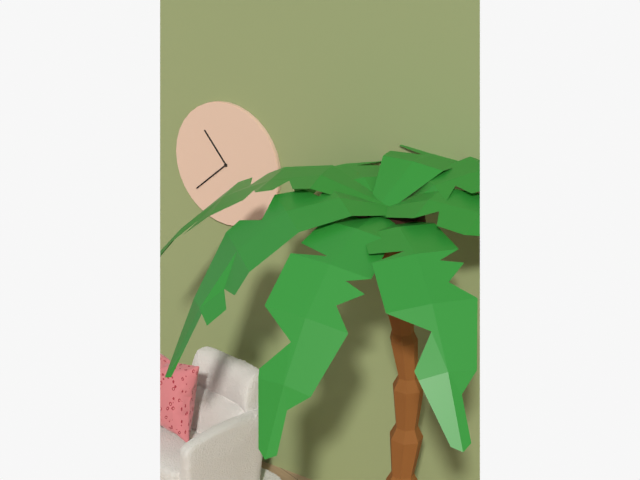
10.38
